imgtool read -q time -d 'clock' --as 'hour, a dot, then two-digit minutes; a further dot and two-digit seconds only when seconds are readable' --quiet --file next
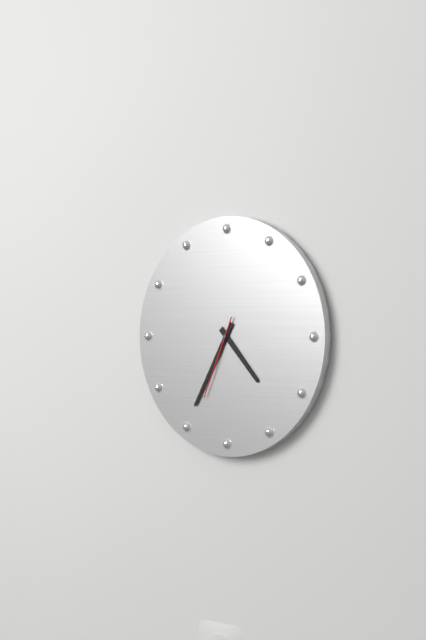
4.35.34
